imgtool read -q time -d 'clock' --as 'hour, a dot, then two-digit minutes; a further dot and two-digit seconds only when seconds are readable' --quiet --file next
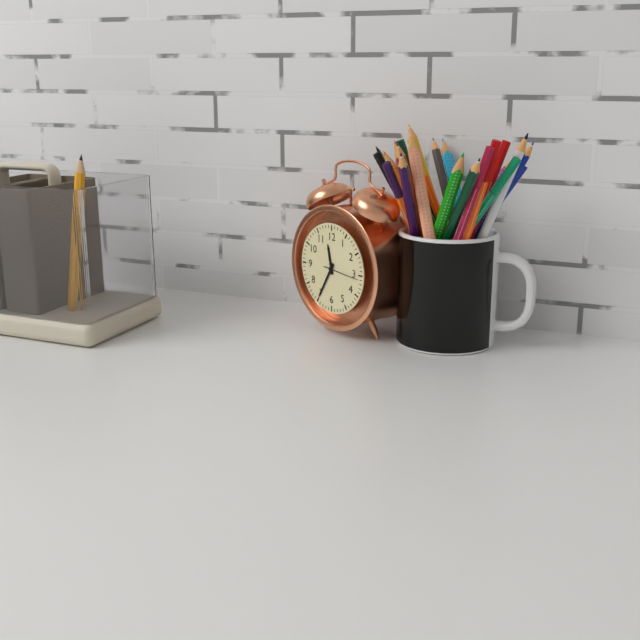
11.35
